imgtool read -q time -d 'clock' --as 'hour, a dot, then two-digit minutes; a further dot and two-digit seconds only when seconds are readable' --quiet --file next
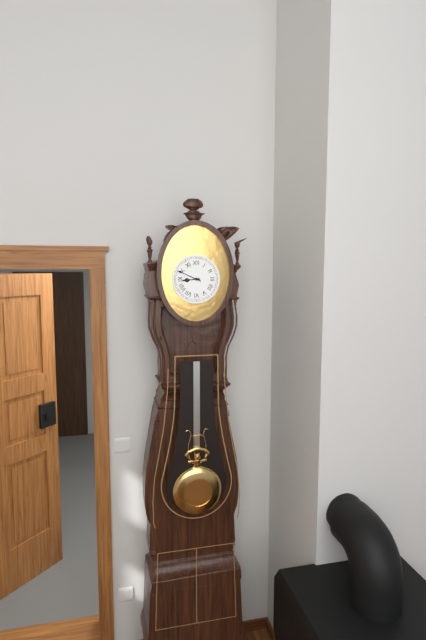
8.49
